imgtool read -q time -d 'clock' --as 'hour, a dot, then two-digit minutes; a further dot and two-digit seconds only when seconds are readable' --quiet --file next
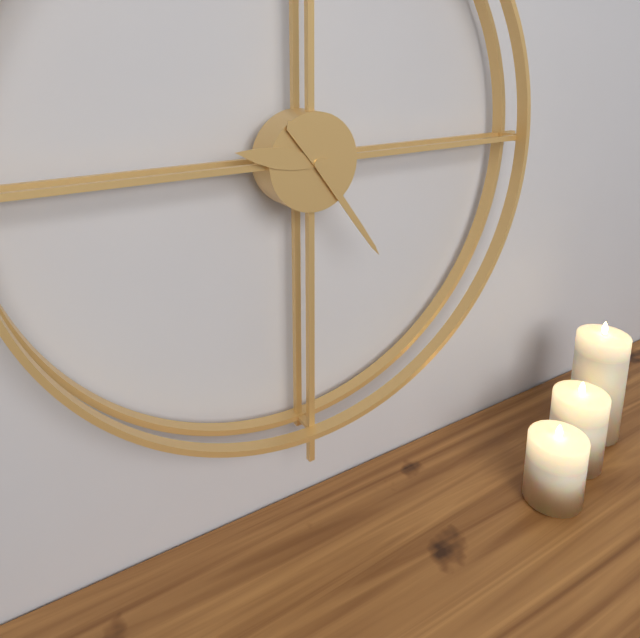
9.24
